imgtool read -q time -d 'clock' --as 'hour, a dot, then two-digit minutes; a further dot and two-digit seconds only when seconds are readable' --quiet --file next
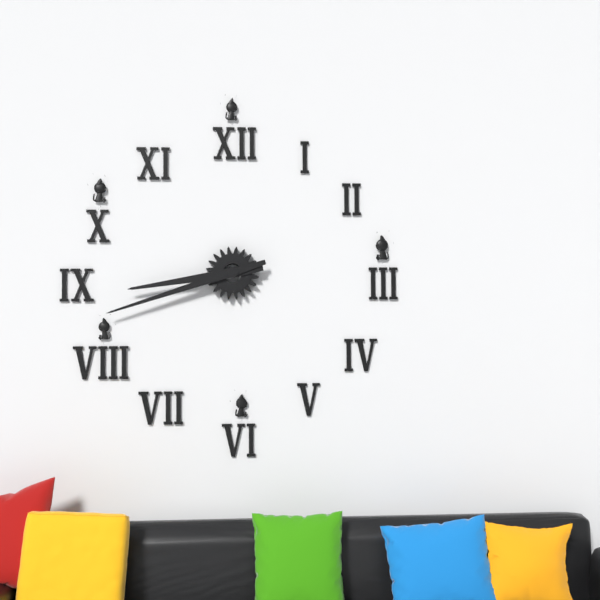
8.42
